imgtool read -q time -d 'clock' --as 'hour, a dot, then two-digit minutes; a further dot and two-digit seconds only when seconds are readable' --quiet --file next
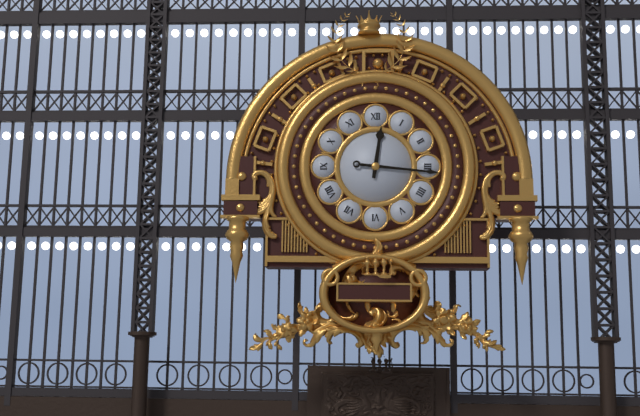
12.16
